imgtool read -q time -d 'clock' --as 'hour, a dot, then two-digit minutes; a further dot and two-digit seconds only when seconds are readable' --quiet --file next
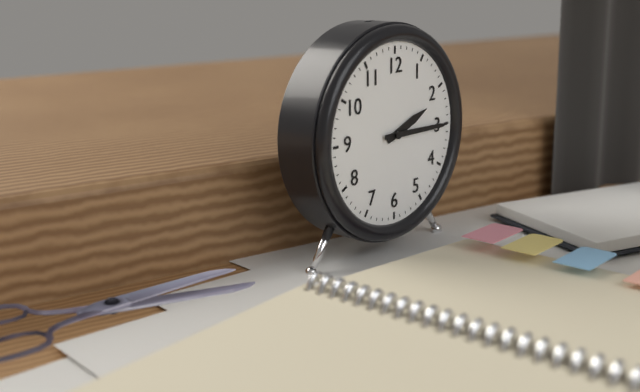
2.15
